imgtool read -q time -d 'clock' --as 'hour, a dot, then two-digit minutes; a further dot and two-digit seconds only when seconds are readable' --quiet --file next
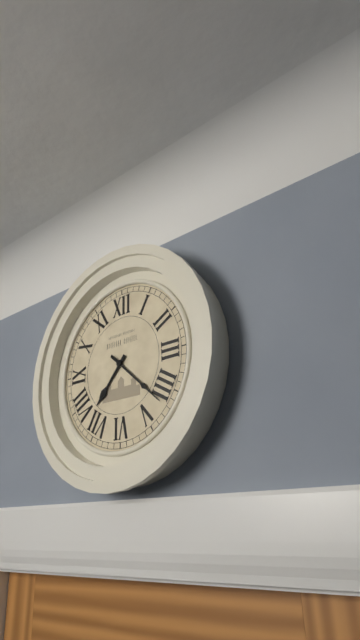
7.22
